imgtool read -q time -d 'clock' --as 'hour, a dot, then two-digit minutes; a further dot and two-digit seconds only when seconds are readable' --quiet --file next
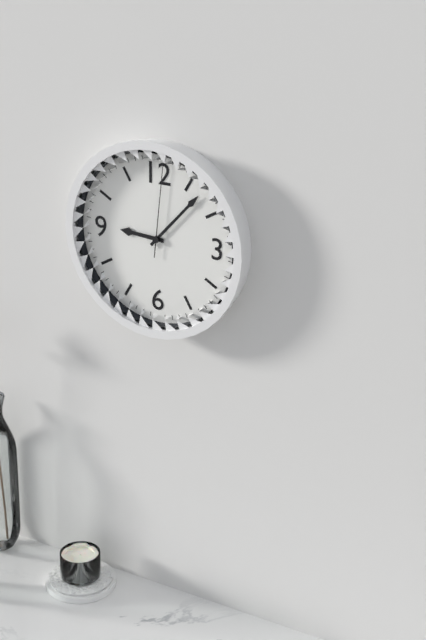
9.07.01
